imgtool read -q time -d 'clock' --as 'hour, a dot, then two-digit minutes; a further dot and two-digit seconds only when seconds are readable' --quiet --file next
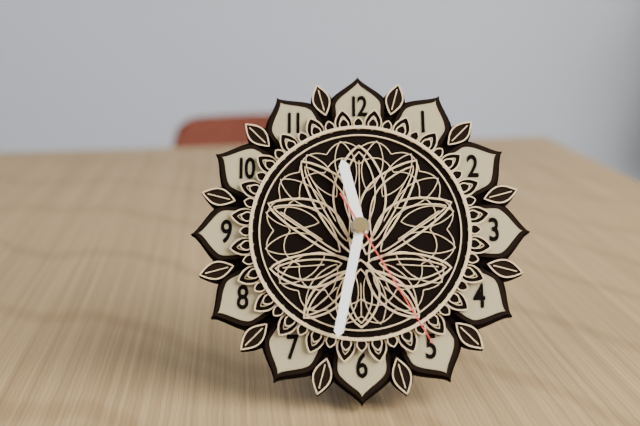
11.32.25
